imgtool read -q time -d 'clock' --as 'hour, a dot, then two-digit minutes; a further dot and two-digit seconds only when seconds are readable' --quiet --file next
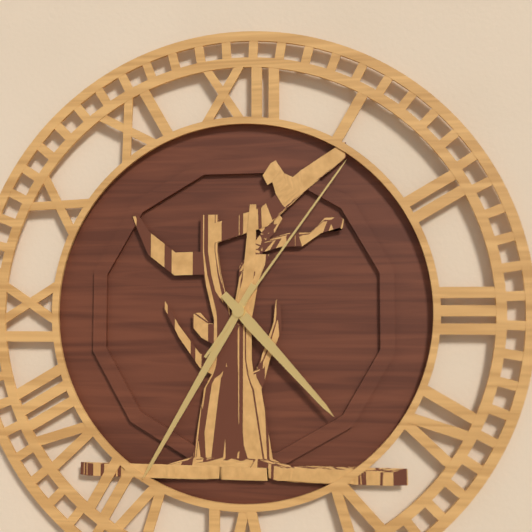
4.35.06
